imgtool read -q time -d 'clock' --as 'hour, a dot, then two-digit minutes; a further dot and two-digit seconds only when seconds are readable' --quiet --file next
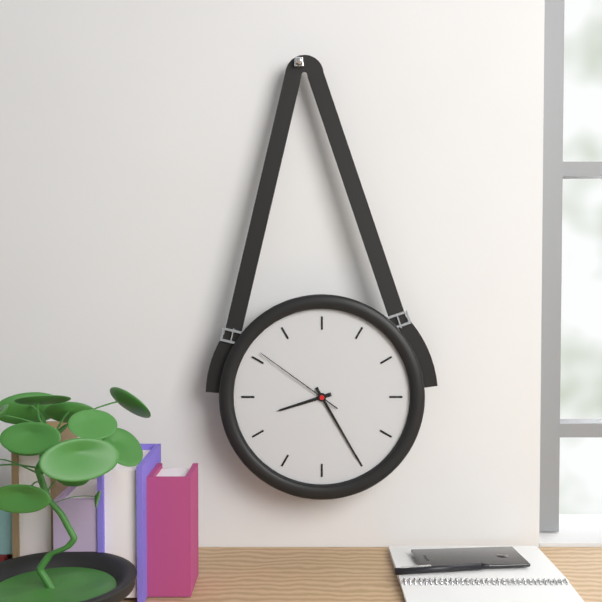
8.25.51
